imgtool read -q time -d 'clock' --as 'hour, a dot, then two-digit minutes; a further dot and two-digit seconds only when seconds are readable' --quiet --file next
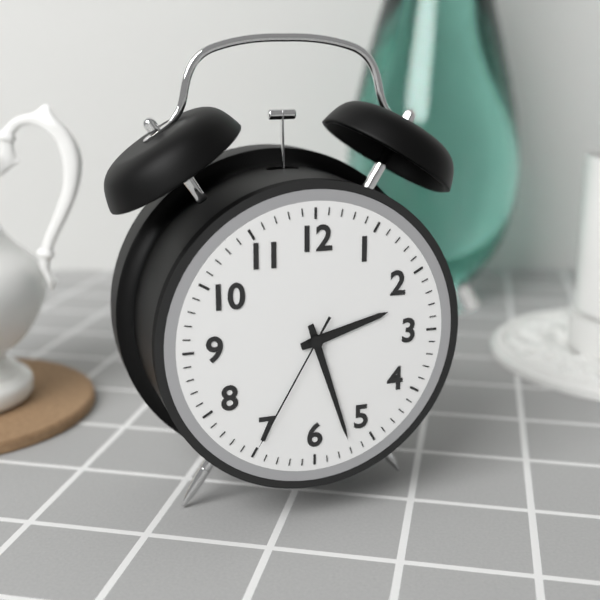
2.27.35
